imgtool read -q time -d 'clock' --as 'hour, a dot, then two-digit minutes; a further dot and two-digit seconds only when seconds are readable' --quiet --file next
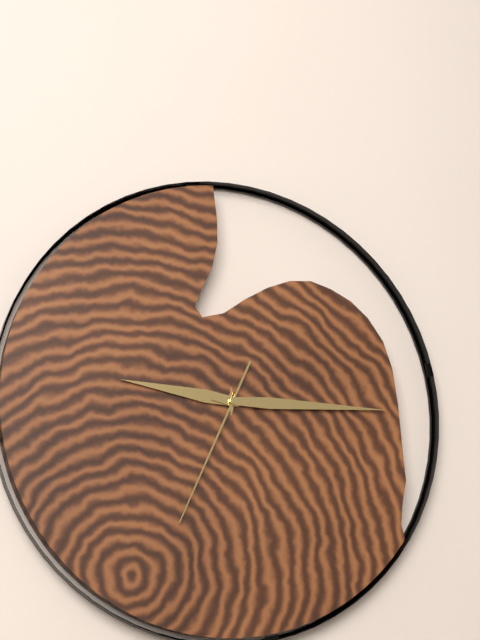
9.15.34
